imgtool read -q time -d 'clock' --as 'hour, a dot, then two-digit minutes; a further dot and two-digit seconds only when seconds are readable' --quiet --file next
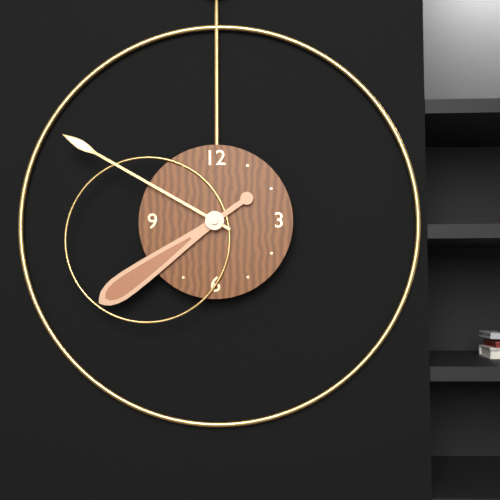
7.50
